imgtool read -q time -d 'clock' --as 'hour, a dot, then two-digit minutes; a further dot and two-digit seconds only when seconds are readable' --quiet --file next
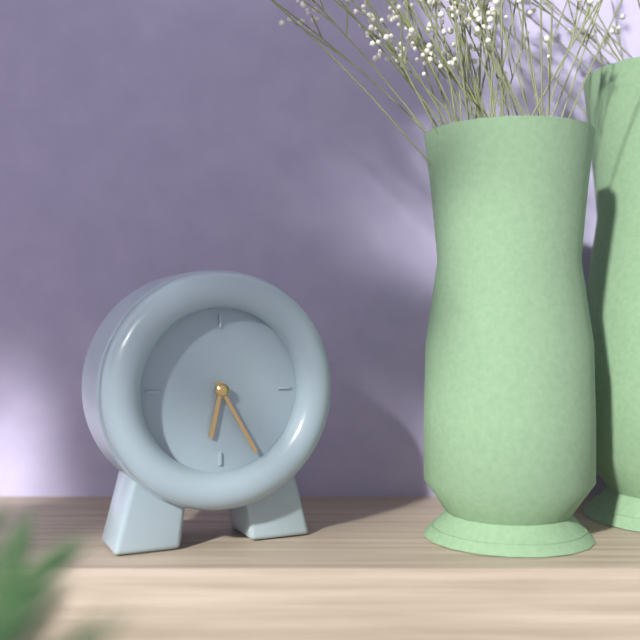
6.25
